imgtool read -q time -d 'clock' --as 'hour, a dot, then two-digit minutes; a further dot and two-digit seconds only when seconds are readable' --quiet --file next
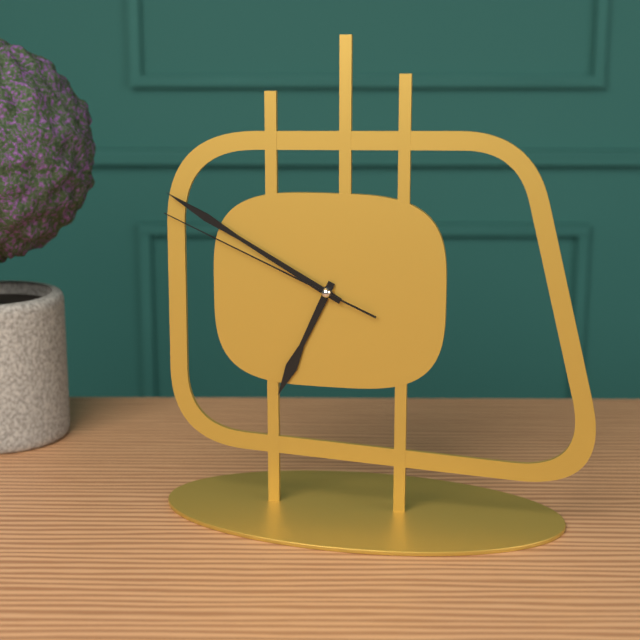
6.50.49
